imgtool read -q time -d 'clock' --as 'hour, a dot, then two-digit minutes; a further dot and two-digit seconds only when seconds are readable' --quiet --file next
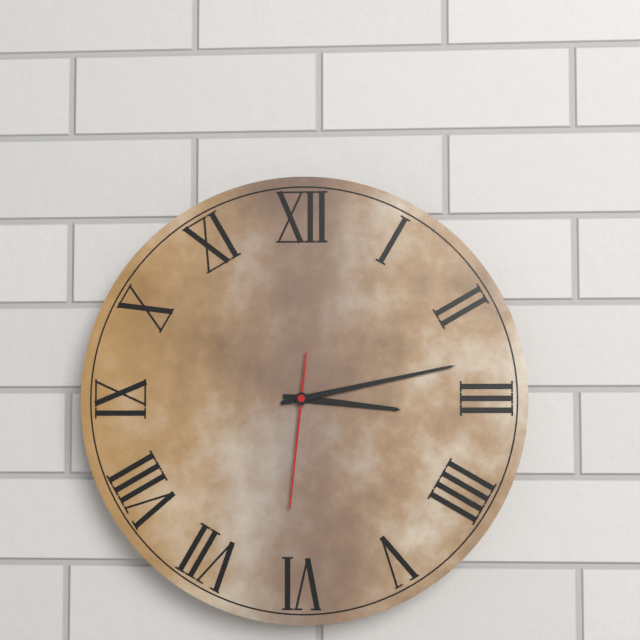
3.13.31
